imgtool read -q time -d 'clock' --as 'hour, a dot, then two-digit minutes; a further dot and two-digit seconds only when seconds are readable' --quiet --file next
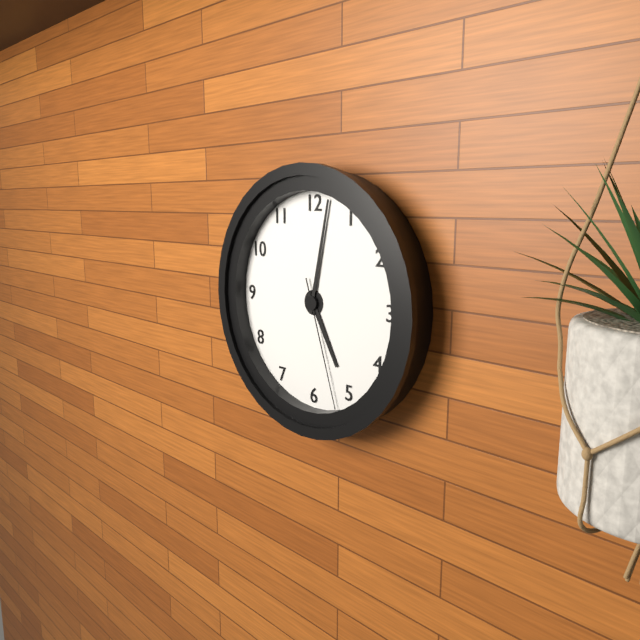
5.02.27
